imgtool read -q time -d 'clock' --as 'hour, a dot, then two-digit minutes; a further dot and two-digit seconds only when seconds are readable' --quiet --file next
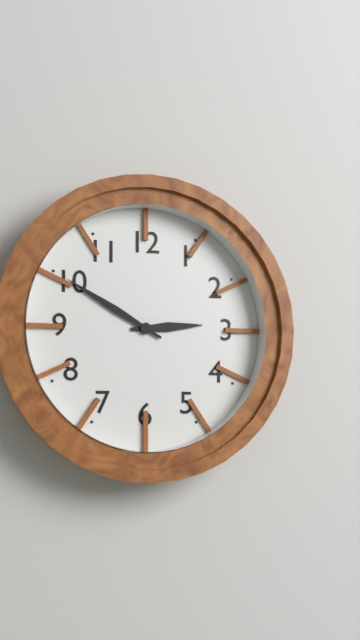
2.50
